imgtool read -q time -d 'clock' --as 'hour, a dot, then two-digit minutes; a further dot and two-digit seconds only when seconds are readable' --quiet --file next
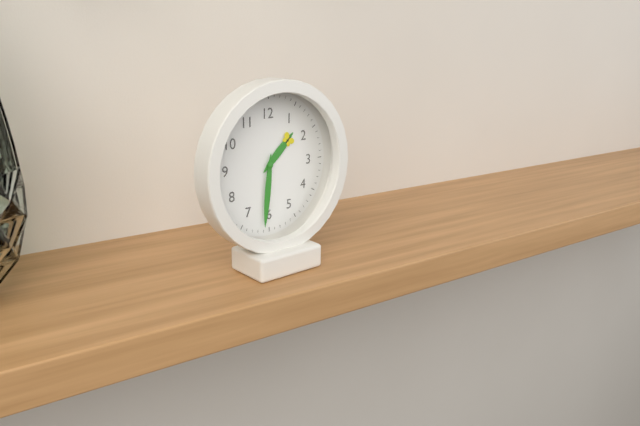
1.31
